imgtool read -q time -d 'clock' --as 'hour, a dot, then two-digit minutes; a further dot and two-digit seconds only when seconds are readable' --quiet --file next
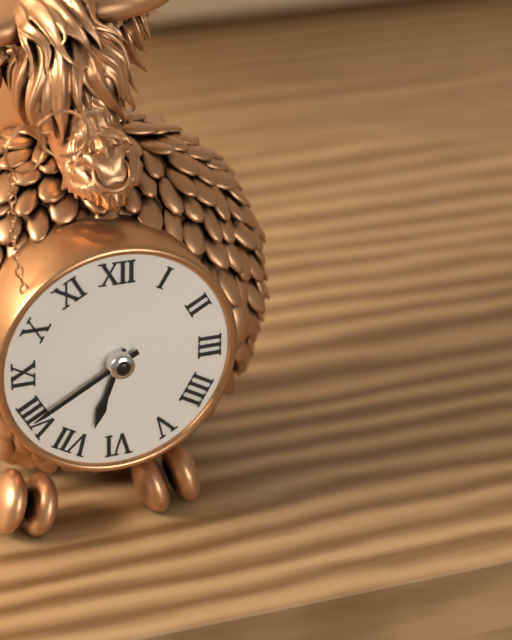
6.40
